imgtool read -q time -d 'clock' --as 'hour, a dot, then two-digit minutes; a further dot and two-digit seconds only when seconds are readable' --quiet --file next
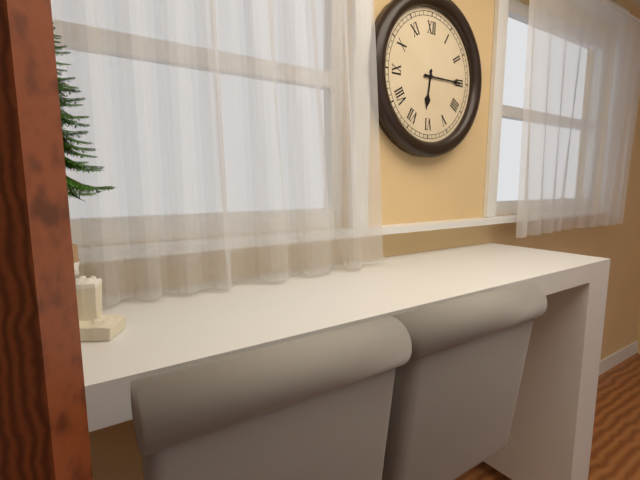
6.15
